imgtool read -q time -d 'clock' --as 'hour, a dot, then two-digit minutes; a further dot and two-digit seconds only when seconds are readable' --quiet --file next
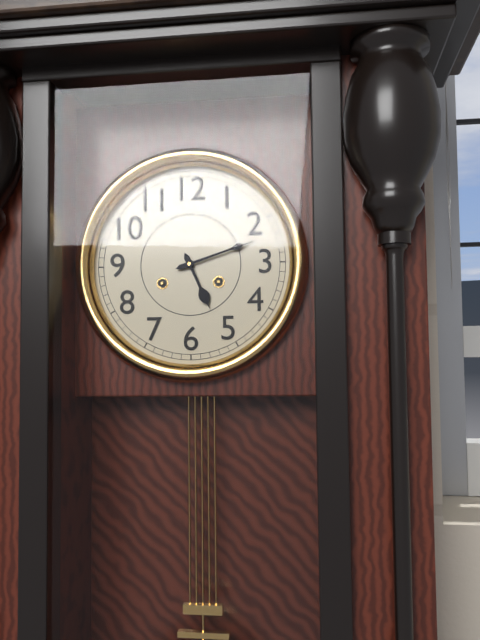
5.12
